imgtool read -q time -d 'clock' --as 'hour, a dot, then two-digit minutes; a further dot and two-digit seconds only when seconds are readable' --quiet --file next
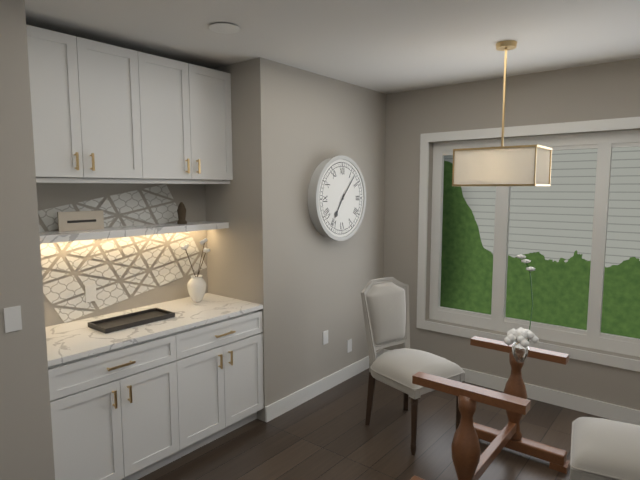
7.07
